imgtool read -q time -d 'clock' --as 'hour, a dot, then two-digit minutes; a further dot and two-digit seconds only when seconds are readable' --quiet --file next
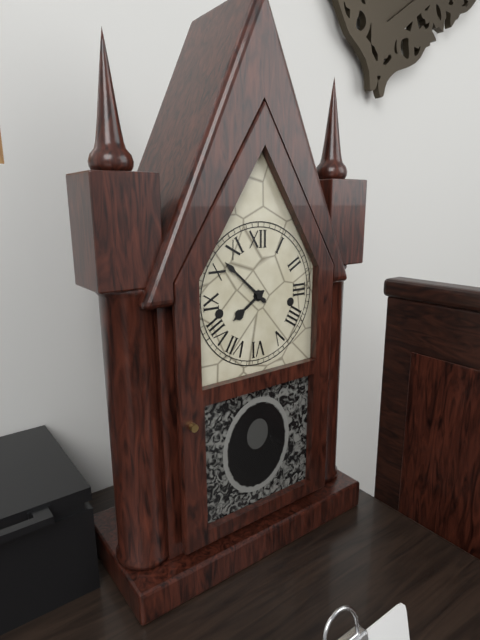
7.52
